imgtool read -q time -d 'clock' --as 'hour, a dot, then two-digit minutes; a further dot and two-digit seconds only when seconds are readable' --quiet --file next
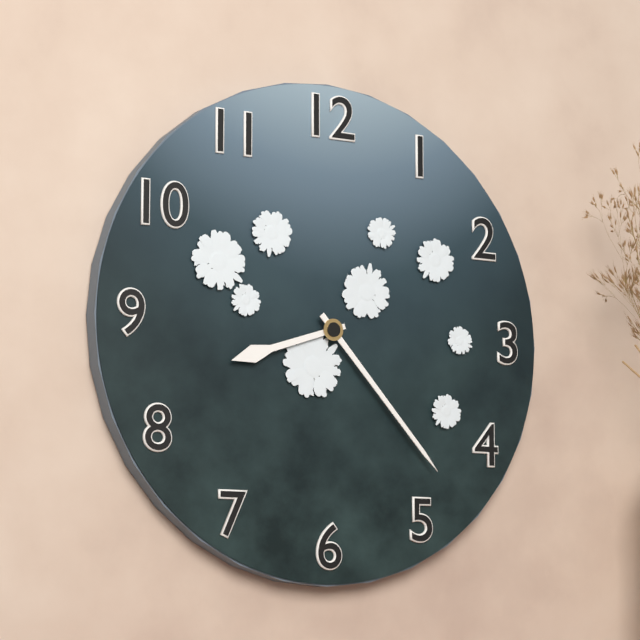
8.23
